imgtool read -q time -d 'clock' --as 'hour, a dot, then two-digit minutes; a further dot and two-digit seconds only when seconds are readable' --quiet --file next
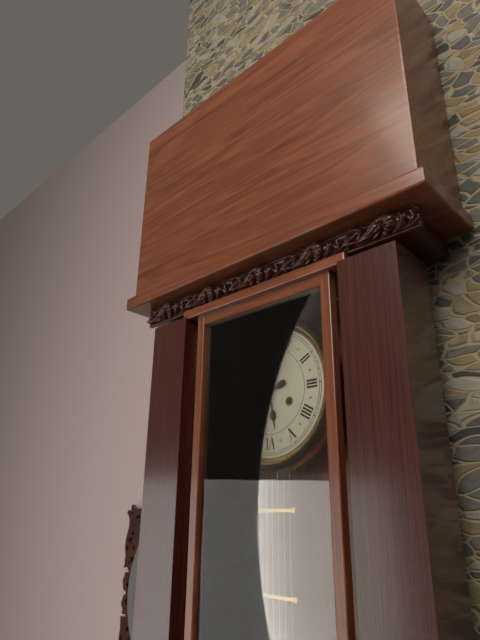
5.42
